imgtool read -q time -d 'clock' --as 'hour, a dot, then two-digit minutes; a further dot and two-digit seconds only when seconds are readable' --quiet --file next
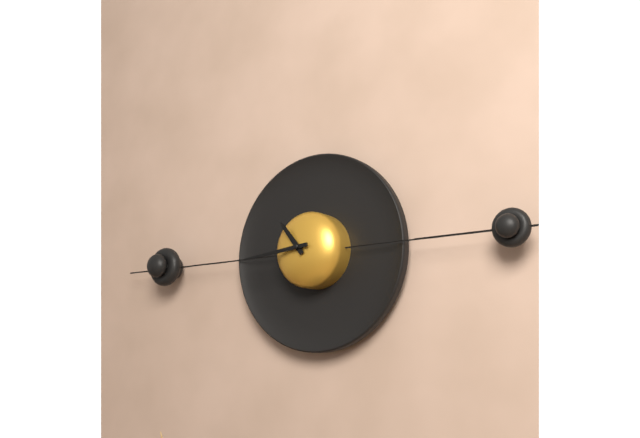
10.44
